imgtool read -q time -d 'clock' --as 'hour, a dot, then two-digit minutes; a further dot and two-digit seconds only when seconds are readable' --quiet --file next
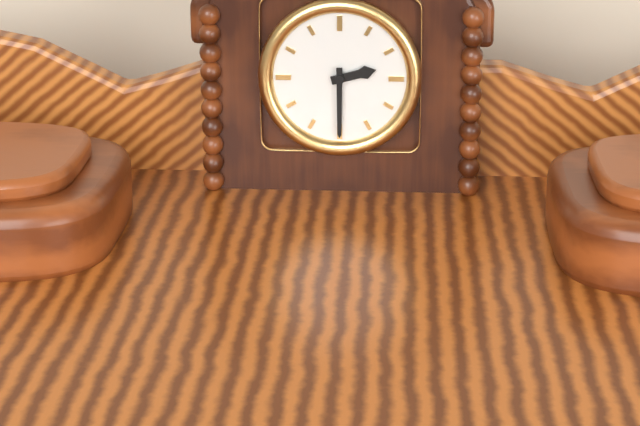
2.30
